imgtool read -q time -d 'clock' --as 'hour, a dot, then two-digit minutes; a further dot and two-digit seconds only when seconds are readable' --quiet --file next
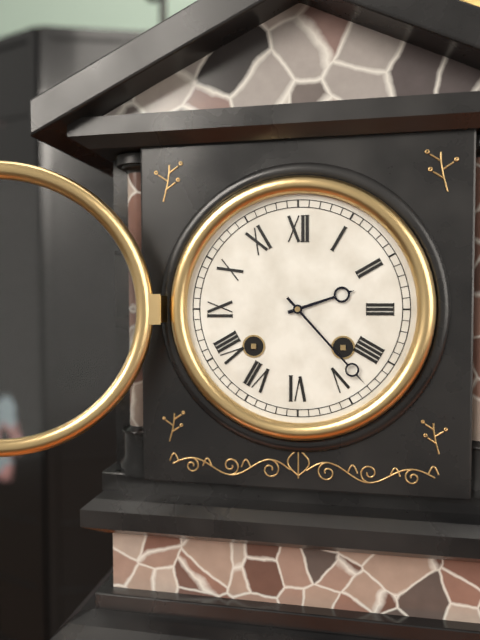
2.23
